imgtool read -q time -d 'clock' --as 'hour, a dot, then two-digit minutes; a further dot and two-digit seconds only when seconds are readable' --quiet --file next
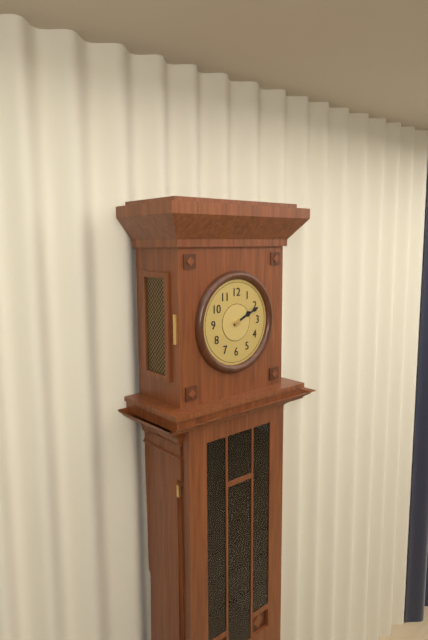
2.11
